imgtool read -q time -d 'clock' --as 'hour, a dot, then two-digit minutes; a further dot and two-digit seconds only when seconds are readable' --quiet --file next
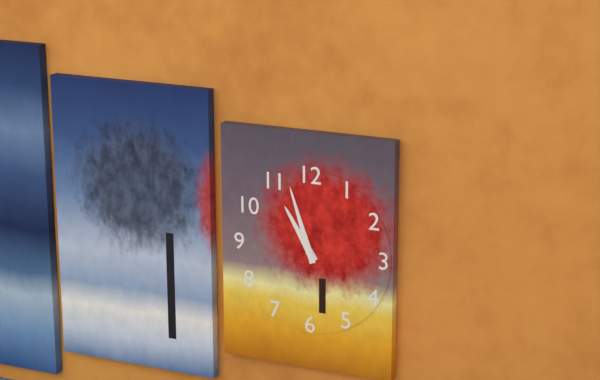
10.57
